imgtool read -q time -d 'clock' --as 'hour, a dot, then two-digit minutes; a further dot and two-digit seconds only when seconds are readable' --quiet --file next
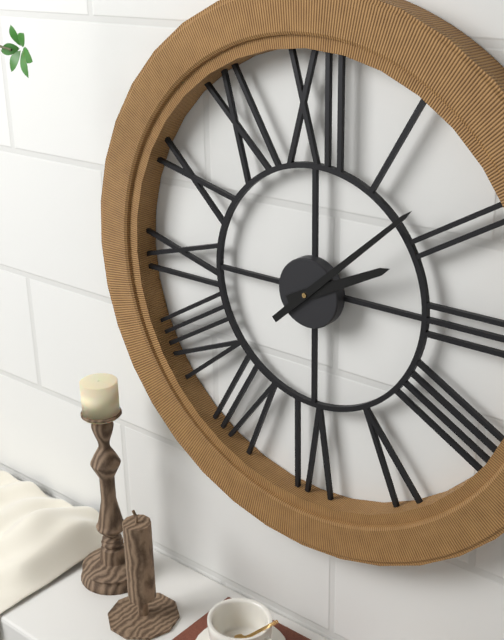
2.08
